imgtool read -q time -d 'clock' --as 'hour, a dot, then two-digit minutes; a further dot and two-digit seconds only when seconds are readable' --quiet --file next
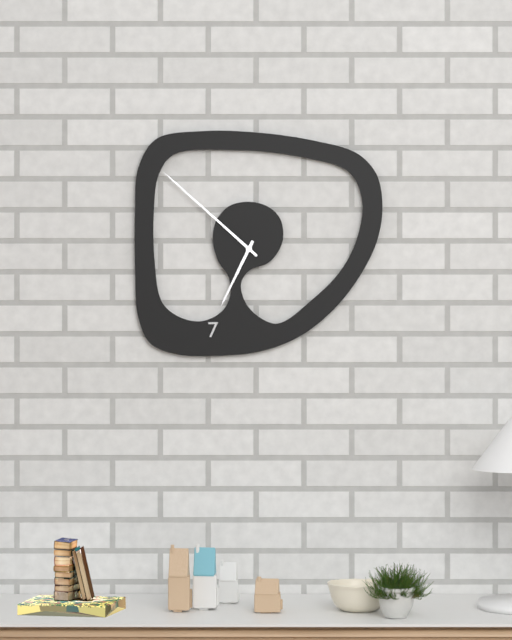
6.52
